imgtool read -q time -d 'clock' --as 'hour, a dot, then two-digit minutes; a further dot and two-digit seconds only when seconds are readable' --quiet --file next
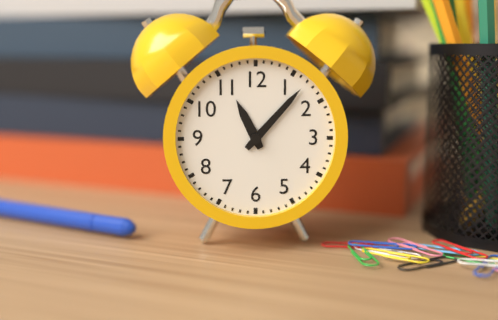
11.07
